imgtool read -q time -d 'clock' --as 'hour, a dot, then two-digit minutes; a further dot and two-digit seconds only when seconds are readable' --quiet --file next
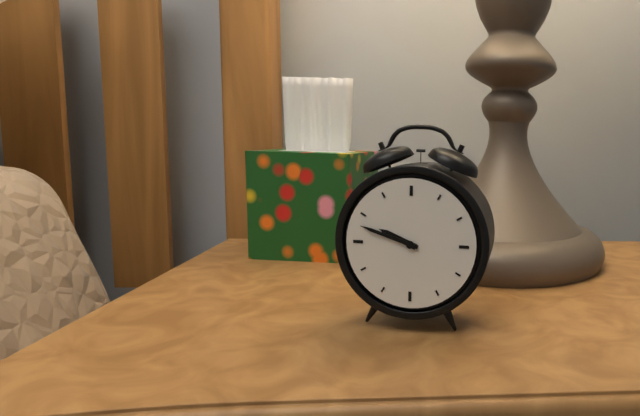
9.48
